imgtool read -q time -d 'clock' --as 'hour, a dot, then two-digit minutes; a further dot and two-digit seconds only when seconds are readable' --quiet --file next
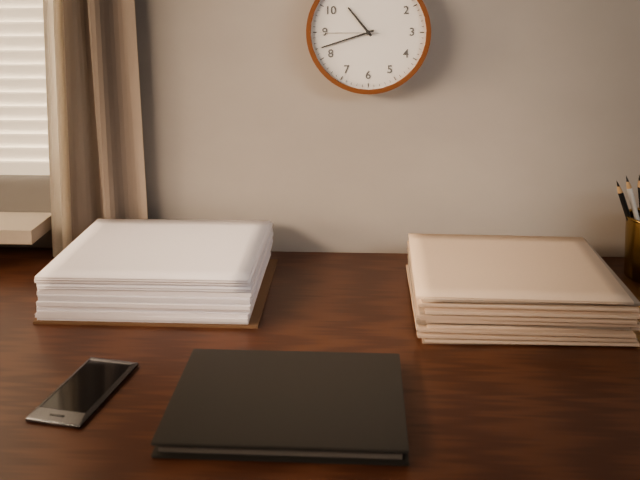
10.42.45
